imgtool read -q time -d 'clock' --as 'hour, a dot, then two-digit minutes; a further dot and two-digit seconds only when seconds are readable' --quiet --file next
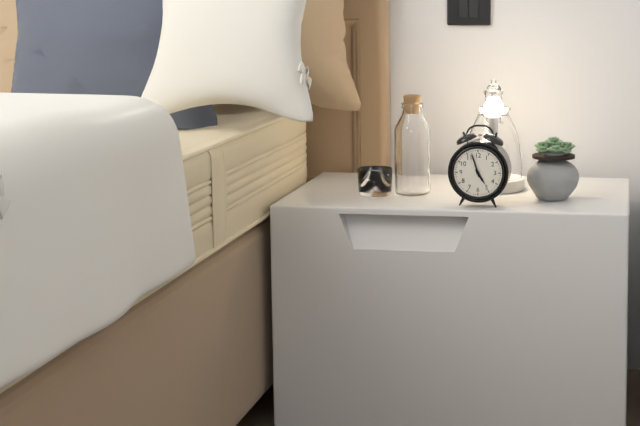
4.57
